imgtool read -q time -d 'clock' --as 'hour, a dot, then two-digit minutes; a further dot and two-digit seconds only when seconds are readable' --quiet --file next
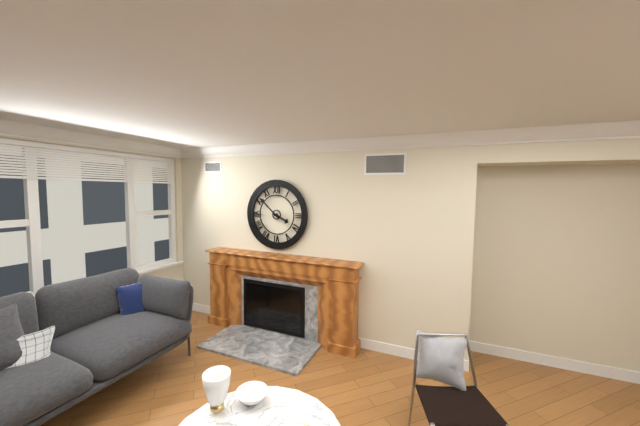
3.52
